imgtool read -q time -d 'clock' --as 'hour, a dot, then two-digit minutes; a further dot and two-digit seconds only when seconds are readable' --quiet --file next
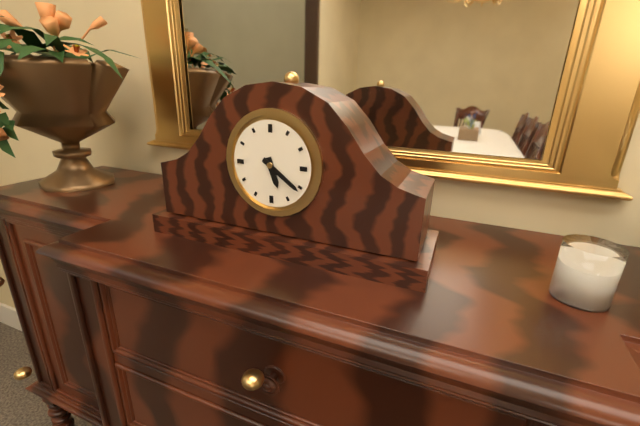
5.21
